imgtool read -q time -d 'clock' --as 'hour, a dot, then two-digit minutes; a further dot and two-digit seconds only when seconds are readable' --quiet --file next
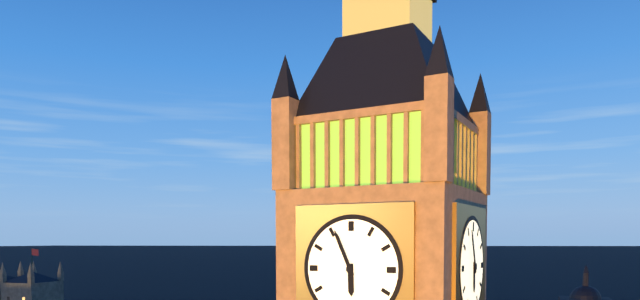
5.56
